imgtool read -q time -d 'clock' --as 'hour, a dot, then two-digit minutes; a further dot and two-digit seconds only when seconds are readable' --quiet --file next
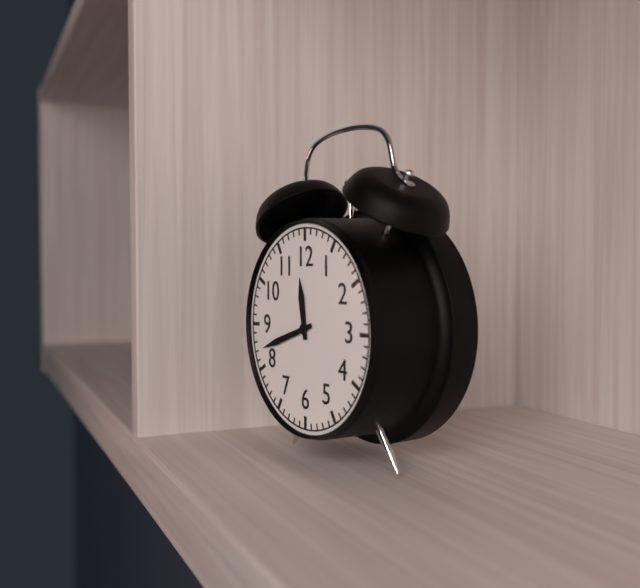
11.42
